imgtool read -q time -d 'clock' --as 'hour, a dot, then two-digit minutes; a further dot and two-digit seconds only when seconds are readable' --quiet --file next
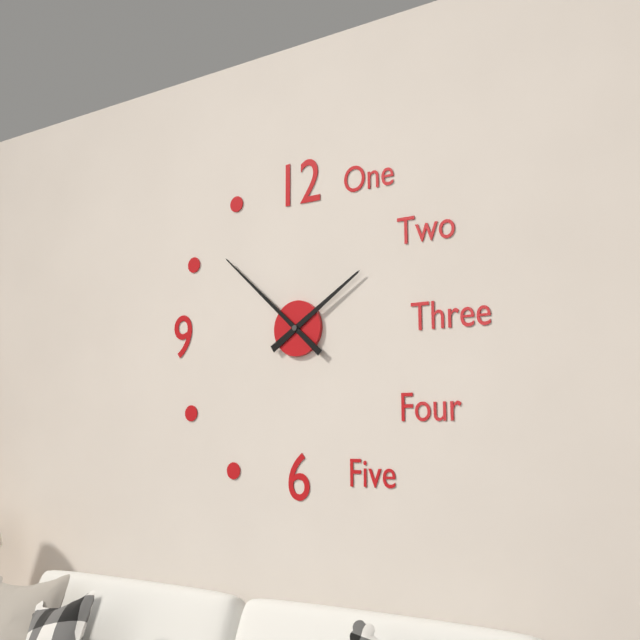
1.52
